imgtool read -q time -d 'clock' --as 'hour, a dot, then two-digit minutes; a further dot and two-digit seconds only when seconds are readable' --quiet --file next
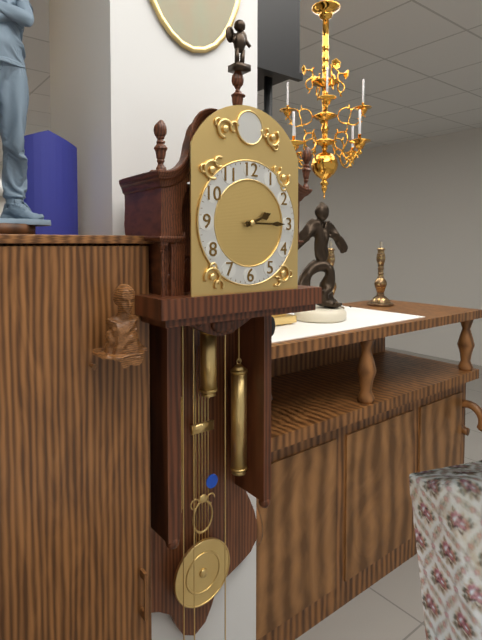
2.15
